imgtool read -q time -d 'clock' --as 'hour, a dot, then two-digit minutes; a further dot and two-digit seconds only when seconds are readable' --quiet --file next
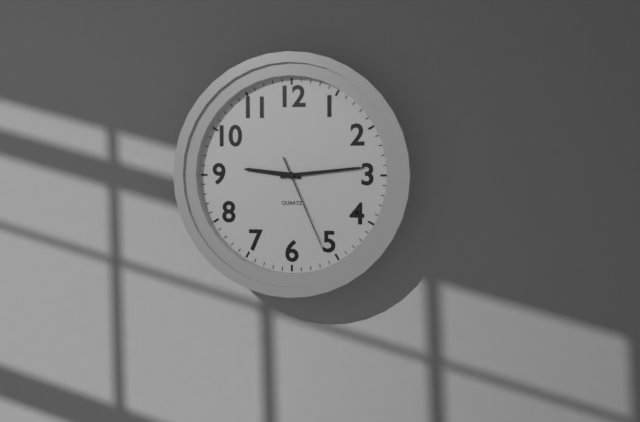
9.14.26
